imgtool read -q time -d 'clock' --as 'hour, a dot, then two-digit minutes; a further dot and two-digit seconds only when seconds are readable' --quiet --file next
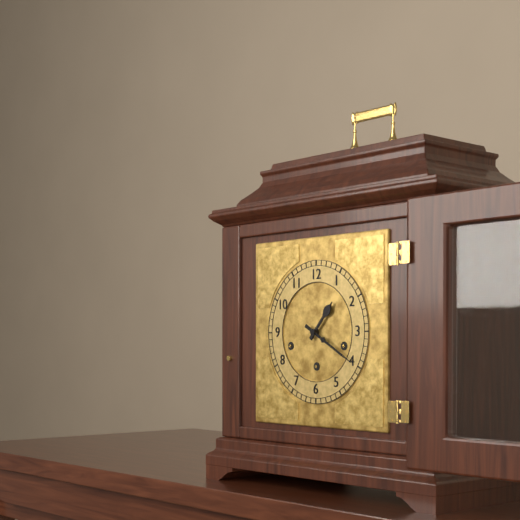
1.20
